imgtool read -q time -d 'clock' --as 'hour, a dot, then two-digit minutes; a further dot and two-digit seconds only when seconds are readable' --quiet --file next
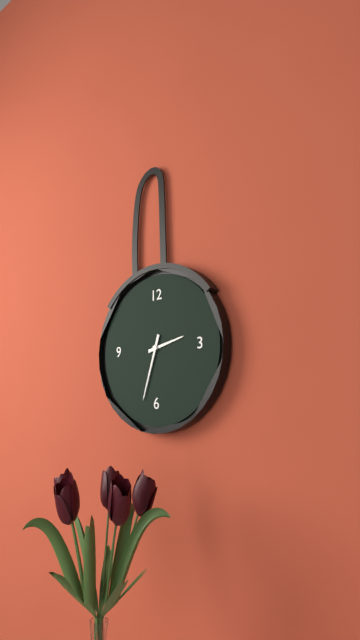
2.33
